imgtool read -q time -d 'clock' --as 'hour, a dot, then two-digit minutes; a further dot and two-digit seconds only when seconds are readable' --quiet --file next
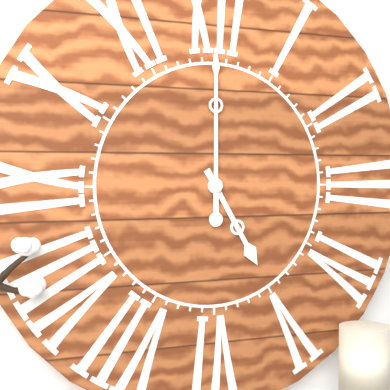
5.00
